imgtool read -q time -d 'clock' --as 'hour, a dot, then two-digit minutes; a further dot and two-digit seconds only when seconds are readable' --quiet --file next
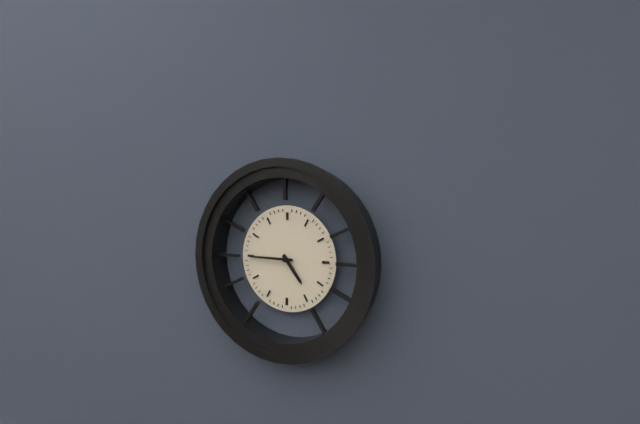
4.45
